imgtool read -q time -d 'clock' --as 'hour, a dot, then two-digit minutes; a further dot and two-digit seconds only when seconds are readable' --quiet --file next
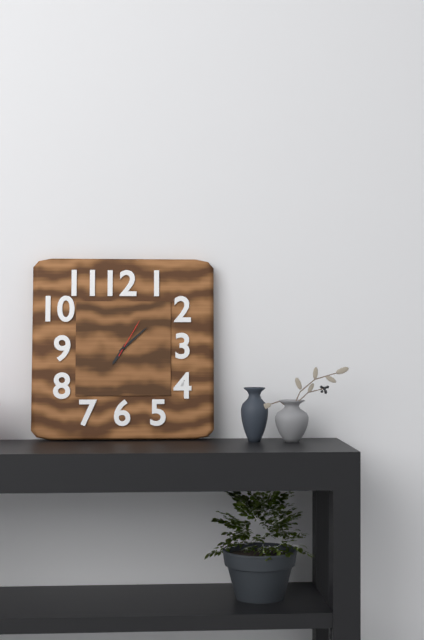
7.08
